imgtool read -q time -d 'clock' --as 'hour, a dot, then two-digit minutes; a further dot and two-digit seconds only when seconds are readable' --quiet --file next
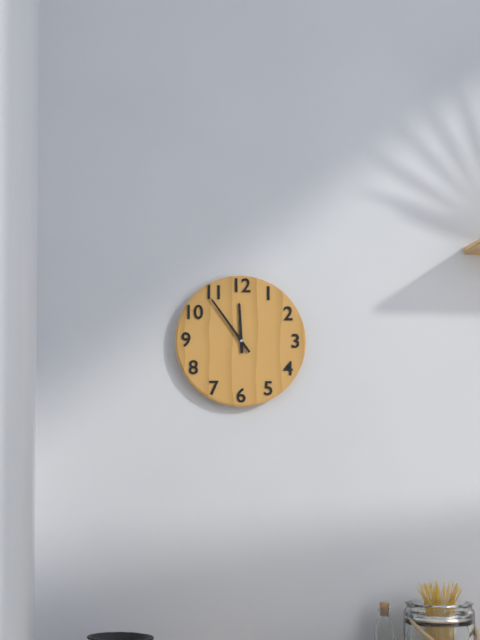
11.54
